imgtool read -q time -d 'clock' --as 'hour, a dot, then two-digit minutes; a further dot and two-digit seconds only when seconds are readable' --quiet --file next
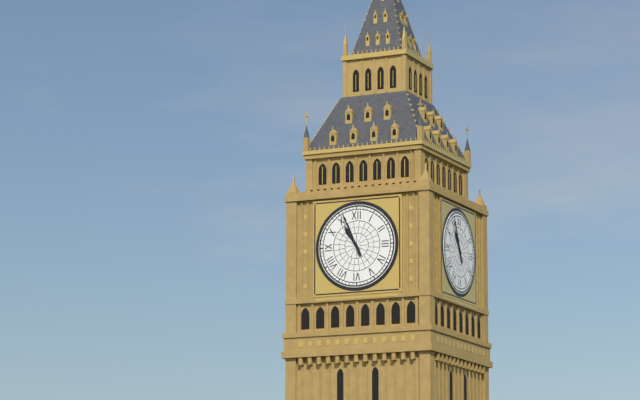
10.56
